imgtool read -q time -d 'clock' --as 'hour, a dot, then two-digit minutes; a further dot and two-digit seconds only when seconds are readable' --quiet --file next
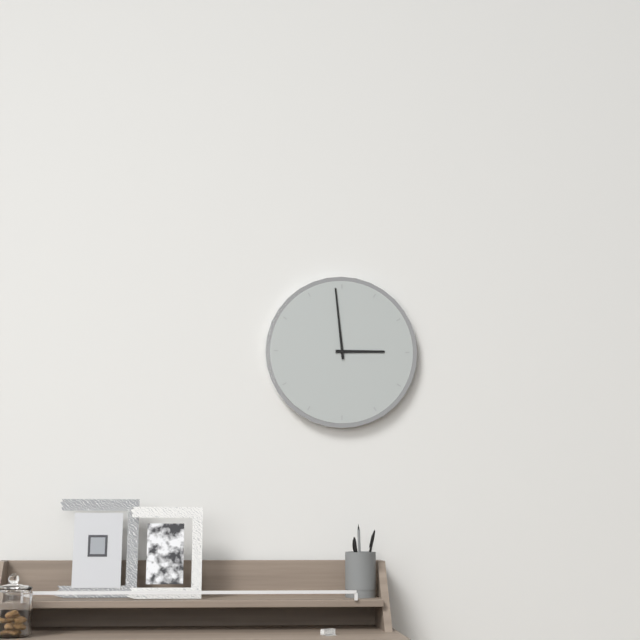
2.59
